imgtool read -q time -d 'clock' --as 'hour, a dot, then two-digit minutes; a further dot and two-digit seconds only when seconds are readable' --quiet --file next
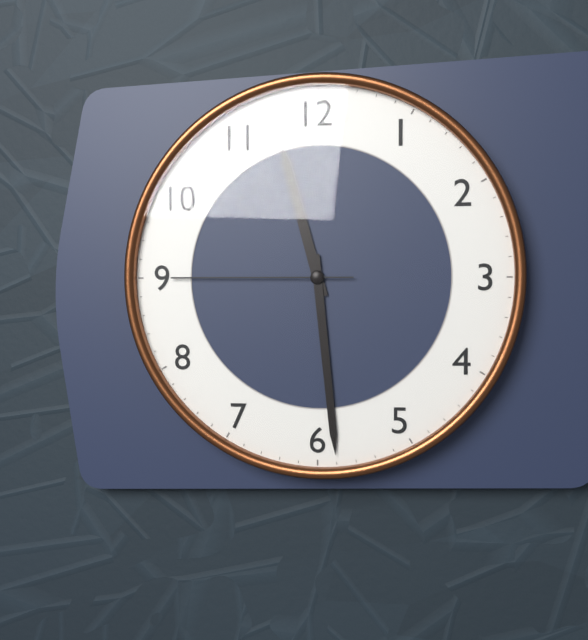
11.29.45
